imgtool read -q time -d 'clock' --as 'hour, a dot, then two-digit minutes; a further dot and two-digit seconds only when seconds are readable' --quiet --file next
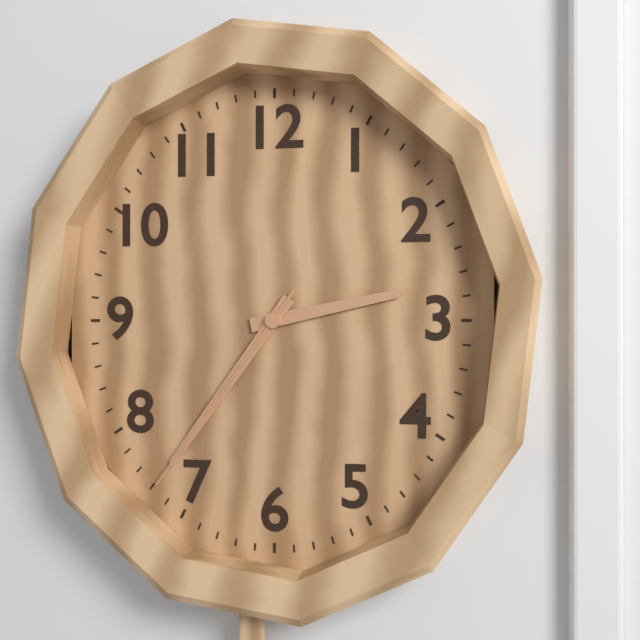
2.36.36
